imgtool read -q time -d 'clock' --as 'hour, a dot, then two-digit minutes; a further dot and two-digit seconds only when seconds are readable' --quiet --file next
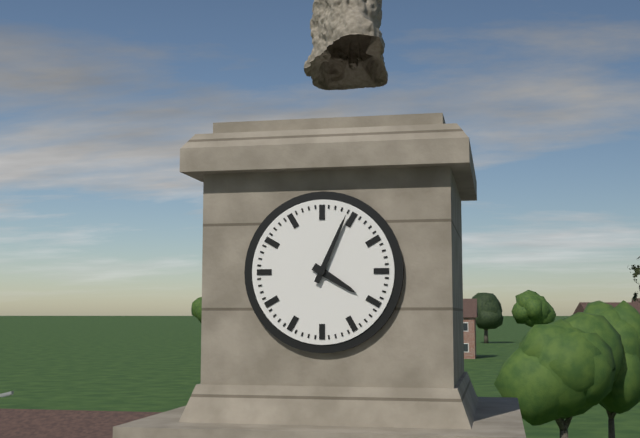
4.04
